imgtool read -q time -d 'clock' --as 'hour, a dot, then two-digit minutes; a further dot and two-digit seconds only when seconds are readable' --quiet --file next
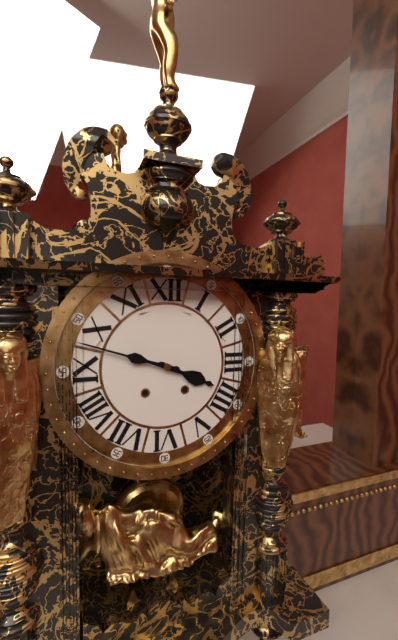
3.48
